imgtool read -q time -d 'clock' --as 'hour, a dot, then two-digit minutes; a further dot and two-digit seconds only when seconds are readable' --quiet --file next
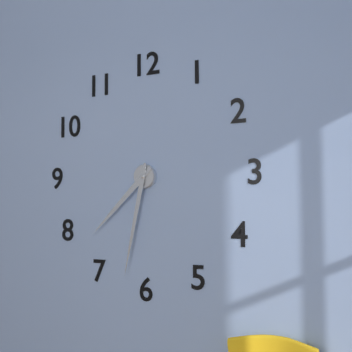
7.32
